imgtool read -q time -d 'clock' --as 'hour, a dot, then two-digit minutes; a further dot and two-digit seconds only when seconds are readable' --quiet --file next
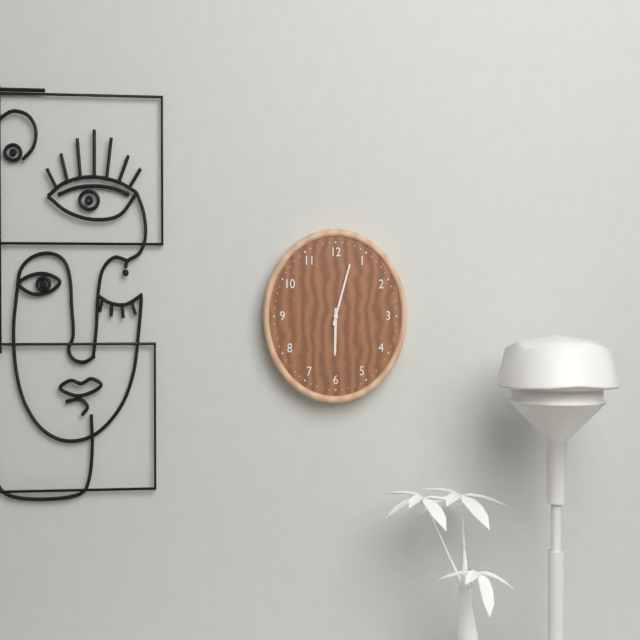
6.03
